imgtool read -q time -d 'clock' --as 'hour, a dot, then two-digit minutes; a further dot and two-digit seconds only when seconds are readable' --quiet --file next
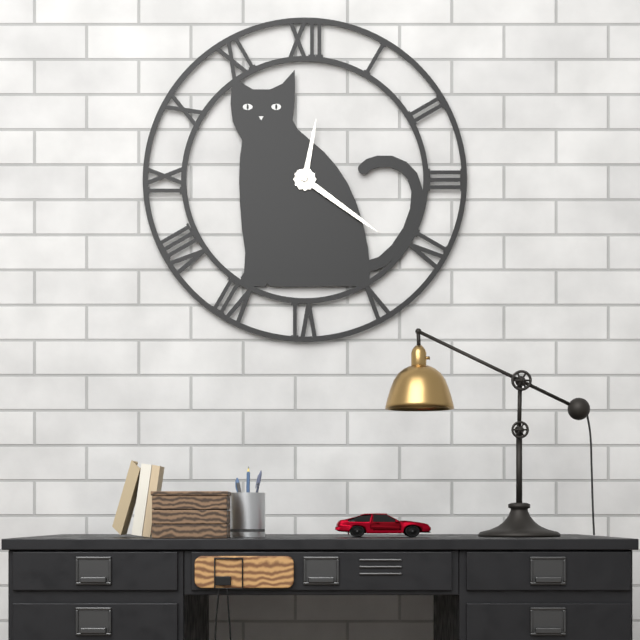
12.21
